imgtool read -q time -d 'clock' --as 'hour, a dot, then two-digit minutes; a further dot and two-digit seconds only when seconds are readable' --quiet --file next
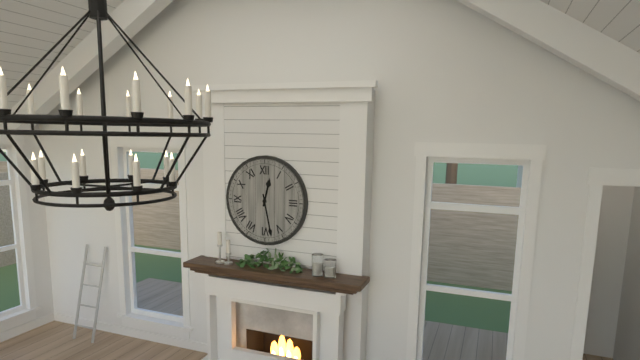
12.28
